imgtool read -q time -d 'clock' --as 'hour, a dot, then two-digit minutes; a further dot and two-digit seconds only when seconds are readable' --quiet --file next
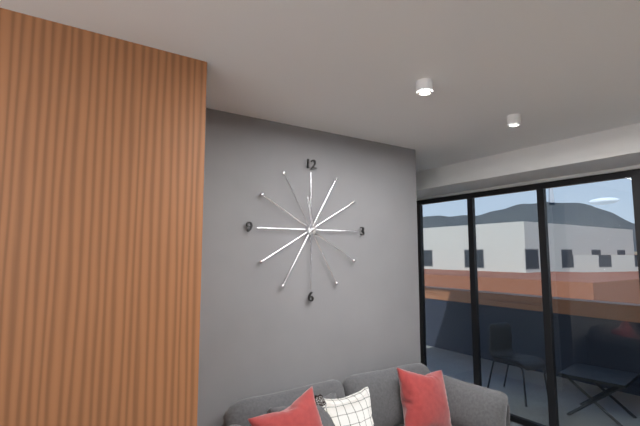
12.58
